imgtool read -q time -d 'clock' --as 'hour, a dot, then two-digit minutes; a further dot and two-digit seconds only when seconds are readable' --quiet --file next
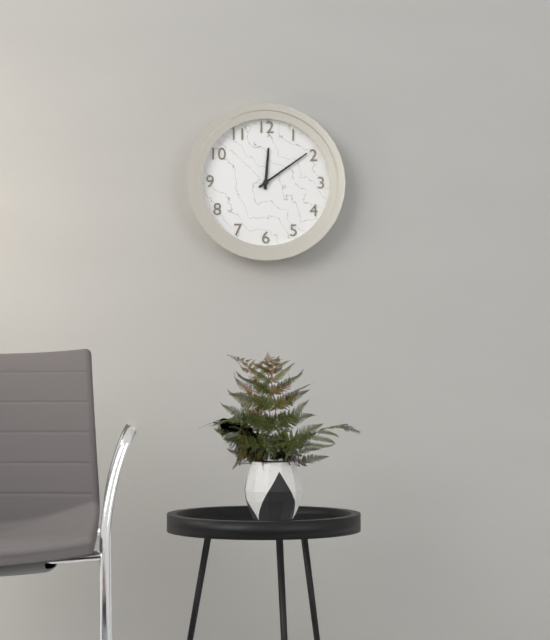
12.09
